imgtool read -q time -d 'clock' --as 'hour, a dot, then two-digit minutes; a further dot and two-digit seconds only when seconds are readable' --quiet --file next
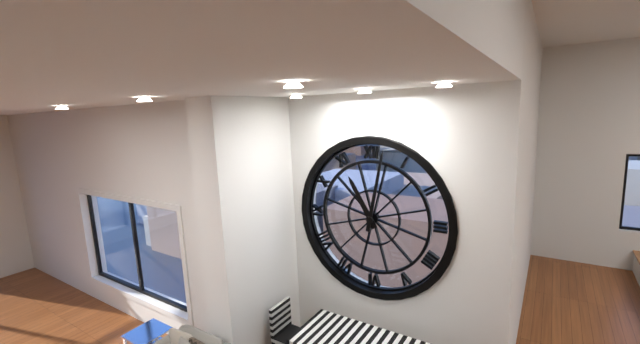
11.02
